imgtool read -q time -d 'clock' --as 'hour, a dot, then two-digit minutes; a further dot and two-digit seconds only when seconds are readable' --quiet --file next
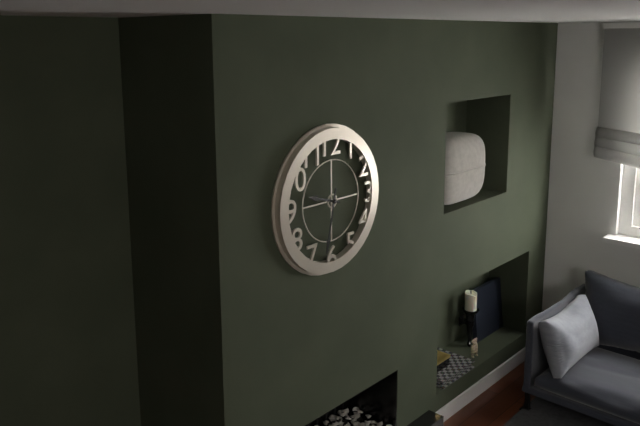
9.32
